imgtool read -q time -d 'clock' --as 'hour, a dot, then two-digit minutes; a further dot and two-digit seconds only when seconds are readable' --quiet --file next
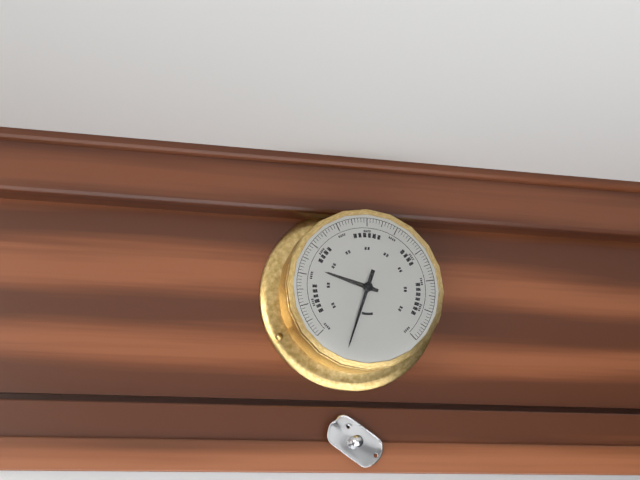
9.33
